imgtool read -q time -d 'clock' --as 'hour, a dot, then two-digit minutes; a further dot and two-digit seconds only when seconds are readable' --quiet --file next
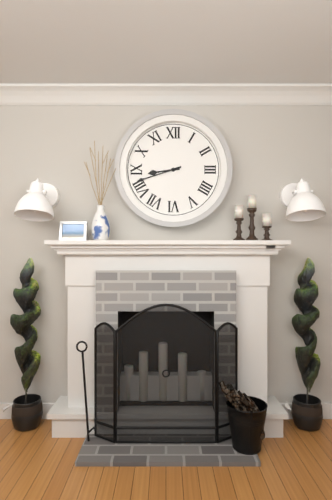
8.42
